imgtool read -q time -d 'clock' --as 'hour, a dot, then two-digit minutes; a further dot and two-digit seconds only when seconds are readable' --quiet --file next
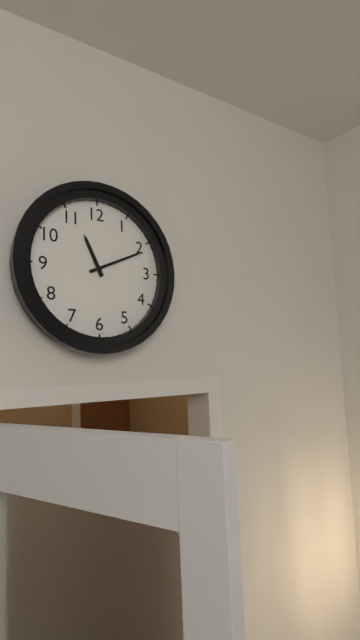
11.11
